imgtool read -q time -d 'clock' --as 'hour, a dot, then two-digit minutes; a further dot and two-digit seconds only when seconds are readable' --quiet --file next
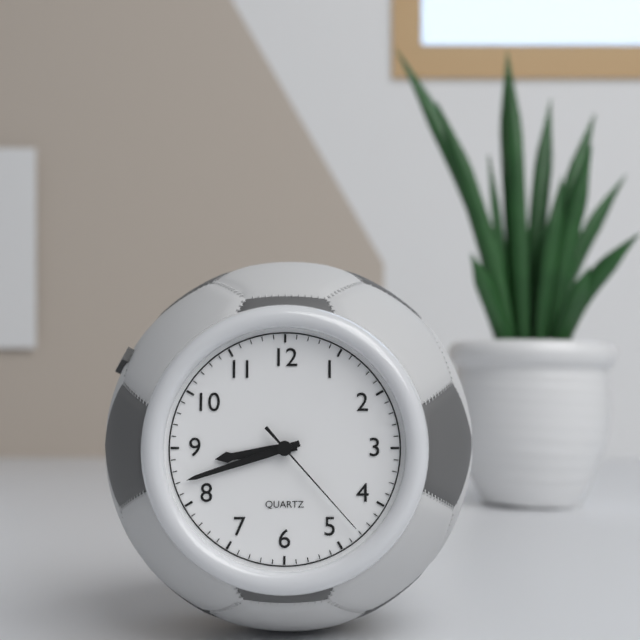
8.42.23
